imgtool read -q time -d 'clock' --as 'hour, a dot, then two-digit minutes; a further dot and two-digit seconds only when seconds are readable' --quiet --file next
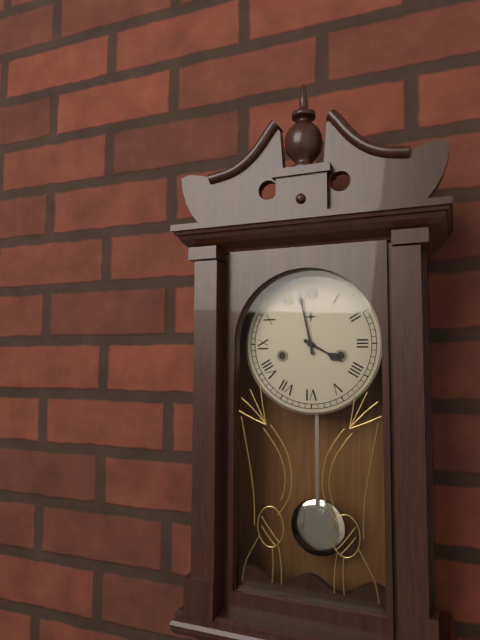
3.58
